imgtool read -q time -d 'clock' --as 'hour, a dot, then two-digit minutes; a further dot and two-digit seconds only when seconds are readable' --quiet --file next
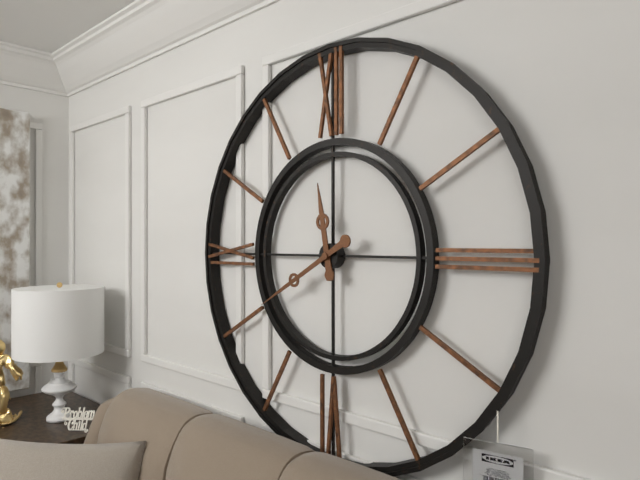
11.40
